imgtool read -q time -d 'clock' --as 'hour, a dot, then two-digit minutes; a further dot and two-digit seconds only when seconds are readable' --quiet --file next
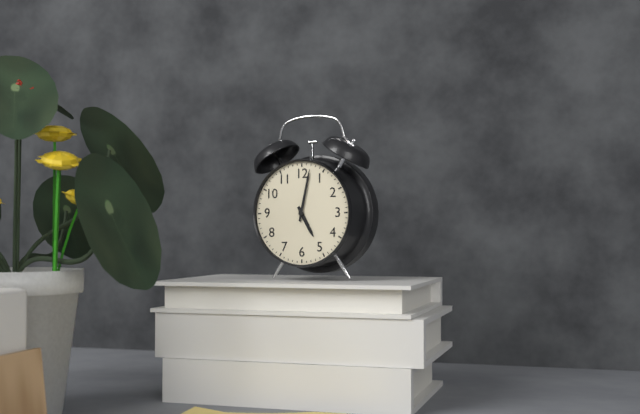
5.02
